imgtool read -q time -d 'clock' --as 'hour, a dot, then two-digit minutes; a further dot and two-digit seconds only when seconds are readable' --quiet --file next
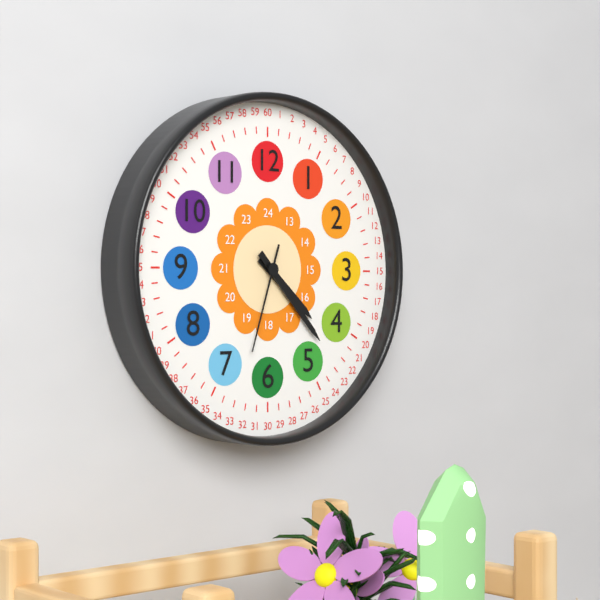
4.23.33
